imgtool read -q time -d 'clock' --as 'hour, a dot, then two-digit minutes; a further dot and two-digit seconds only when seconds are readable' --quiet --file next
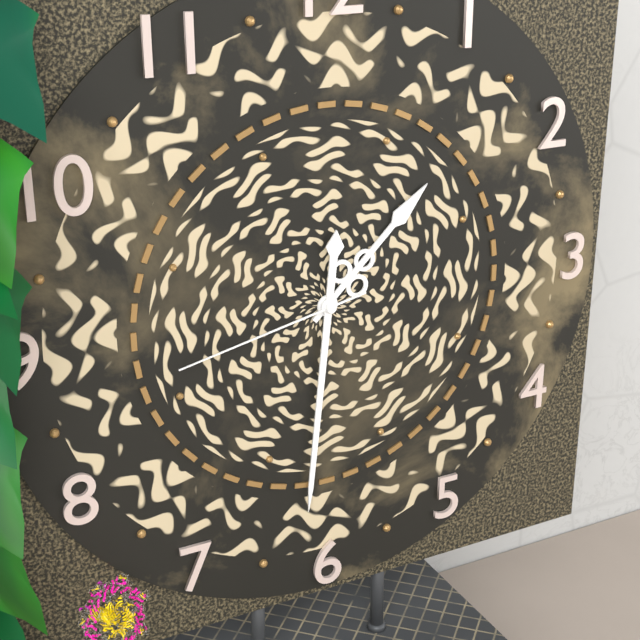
1.31.43
